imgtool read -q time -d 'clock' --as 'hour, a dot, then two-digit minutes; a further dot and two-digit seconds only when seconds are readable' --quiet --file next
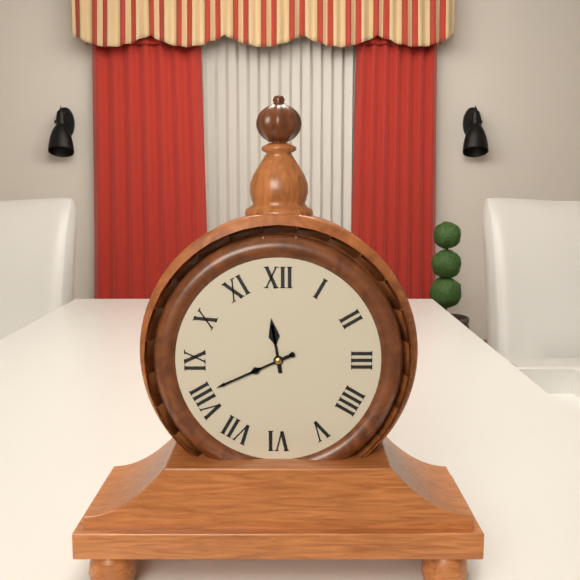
11.41
